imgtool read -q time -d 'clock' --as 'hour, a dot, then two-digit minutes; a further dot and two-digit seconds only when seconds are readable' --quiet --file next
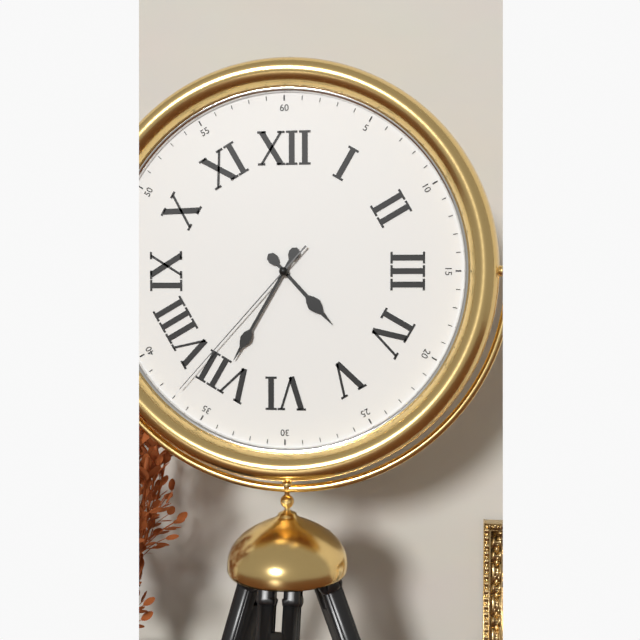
4.35.37
